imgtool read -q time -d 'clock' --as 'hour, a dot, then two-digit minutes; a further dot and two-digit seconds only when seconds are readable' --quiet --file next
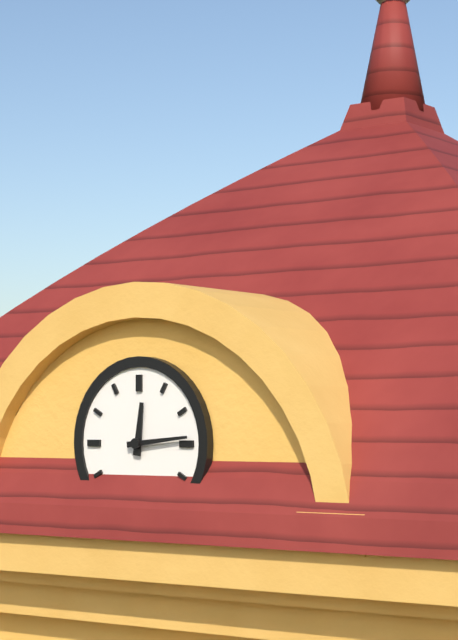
12.14
